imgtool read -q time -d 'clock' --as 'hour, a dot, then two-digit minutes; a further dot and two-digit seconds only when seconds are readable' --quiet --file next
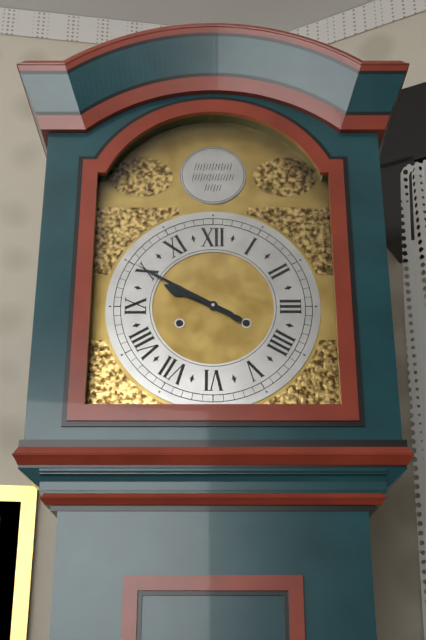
9.50
